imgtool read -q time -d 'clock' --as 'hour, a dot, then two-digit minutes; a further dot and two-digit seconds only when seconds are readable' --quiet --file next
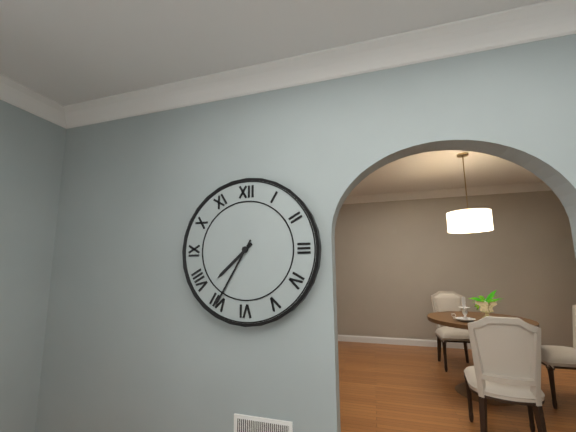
7.35
